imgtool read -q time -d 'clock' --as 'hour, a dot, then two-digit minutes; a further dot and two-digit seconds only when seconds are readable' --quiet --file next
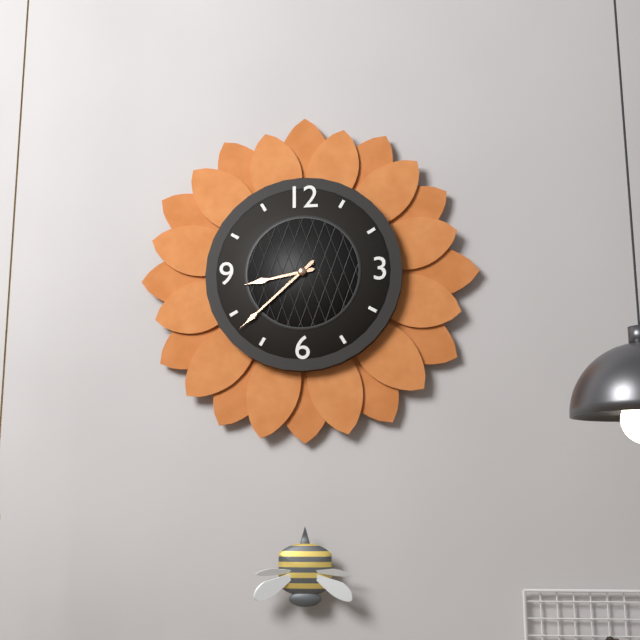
8.38
